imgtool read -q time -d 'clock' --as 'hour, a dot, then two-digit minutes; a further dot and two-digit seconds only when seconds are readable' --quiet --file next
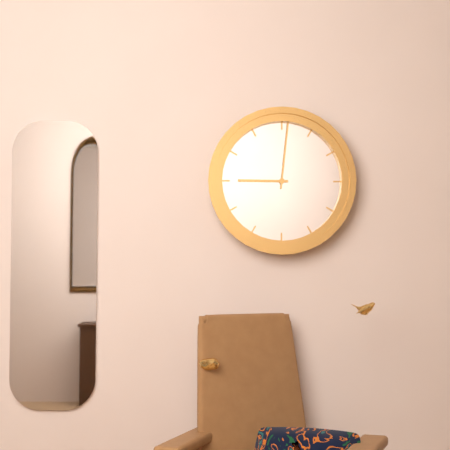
9.01
